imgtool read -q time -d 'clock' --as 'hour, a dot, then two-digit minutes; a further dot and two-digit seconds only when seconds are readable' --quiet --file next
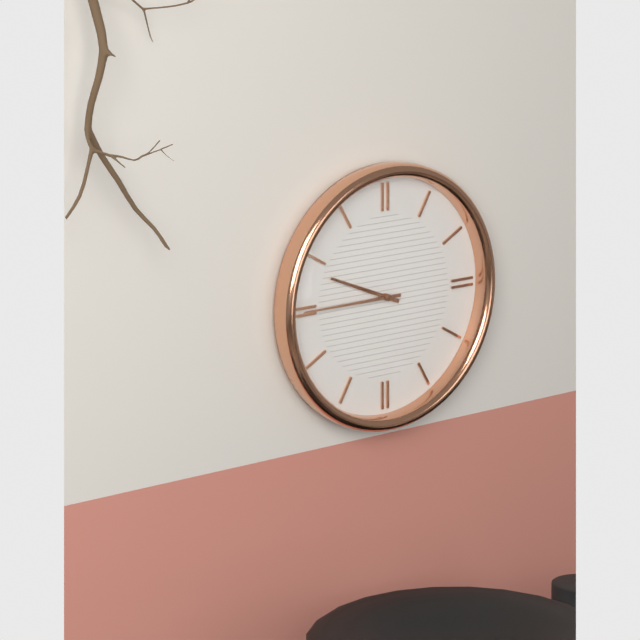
9.45
